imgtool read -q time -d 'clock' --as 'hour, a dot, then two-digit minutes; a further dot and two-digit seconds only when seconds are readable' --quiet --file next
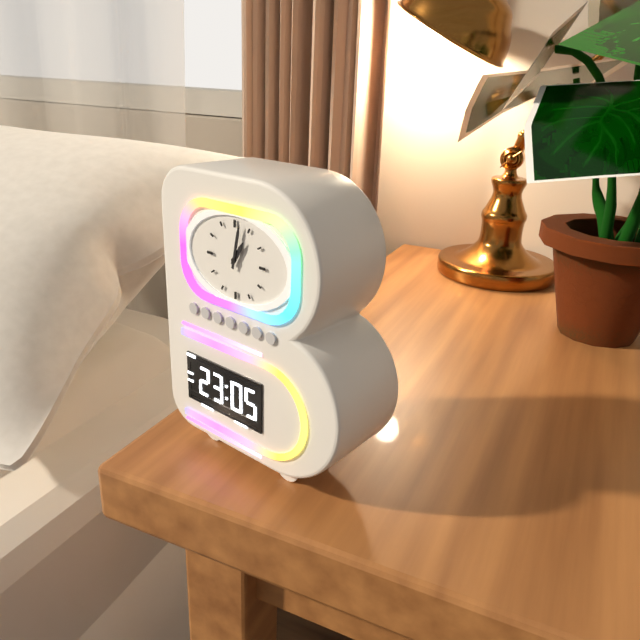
1.02
